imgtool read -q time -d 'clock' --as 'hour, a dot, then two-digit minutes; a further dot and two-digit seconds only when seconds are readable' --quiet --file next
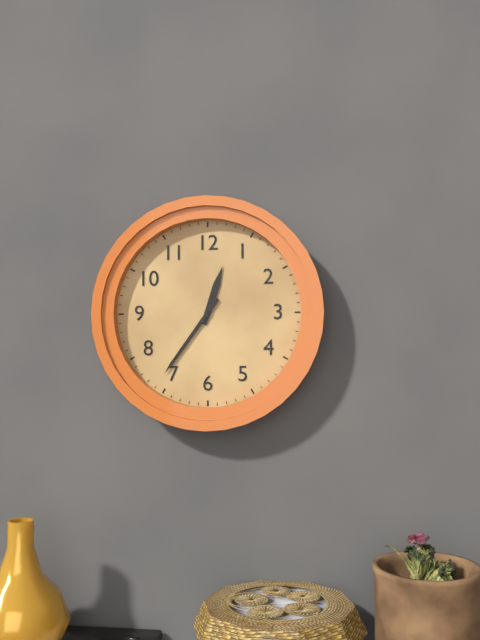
12.36
